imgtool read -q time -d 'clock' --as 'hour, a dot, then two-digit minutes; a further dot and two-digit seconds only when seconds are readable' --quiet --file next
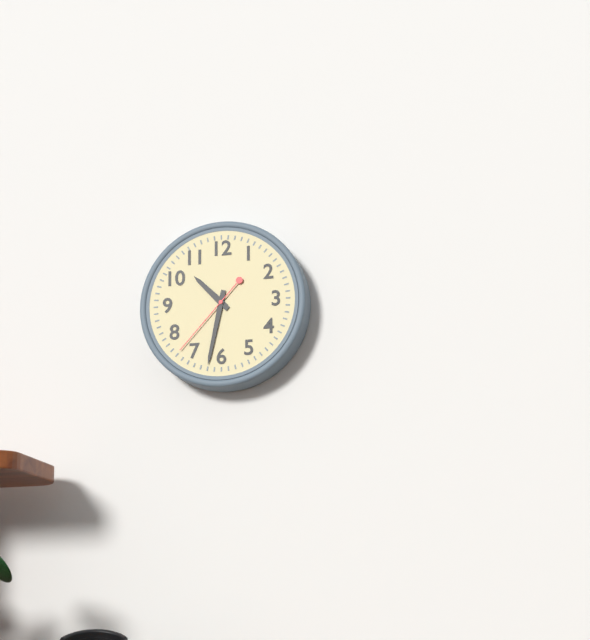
10.32.37
